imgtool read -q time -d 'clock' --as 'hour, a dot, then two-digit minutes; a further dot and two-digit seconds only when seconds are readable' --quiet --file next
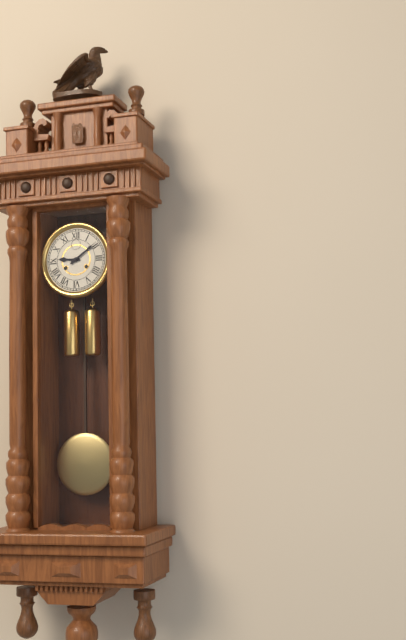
9.09
